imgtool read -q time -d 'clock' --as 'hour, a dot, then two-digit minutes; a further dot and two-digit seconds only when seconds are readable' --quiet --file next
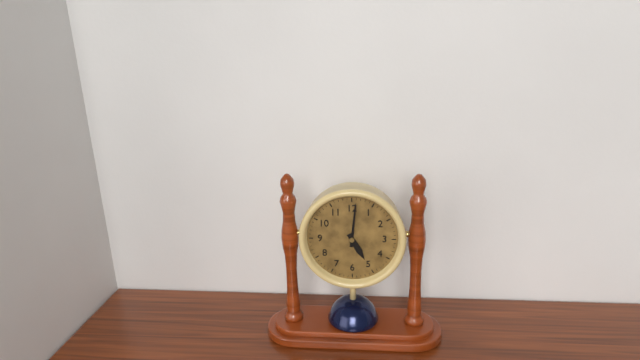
5.01
